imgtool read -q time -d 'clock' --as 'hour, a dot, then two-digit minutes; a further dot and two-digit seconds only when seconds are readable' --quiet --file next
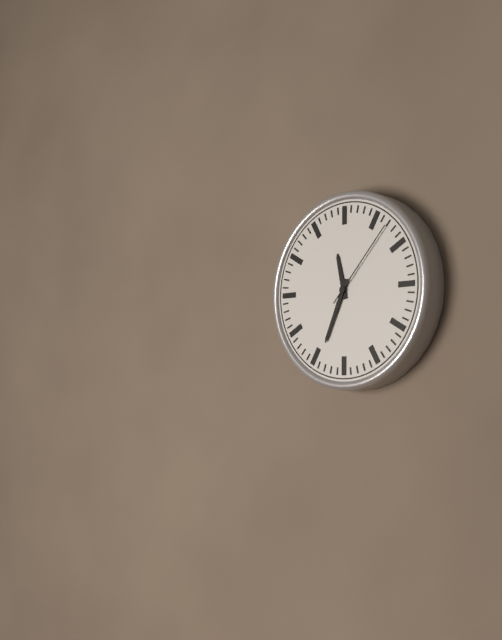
11.34.07
